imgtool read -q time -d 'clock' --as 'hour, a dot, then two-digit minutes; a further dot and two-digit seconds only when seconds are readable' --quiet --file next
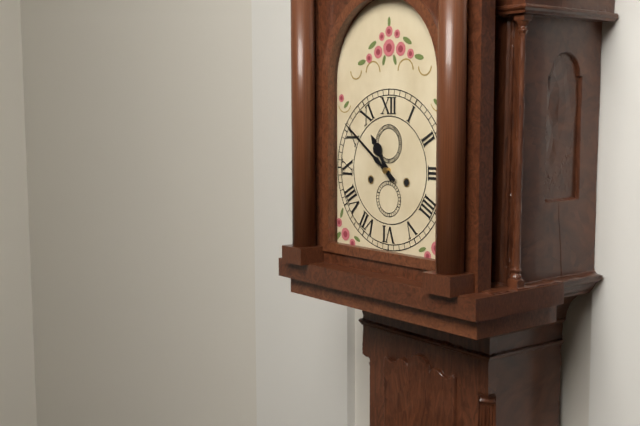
10.51
